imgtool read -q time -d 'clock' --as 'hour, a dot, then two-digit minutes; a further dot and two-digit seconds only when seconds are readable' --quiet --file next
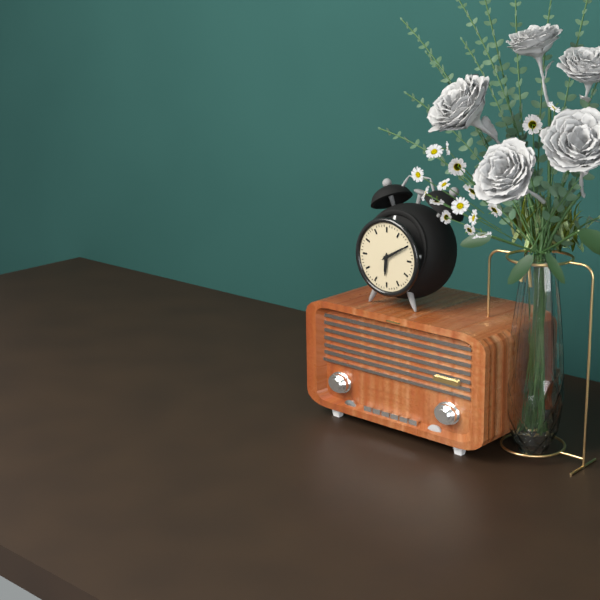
6.10
